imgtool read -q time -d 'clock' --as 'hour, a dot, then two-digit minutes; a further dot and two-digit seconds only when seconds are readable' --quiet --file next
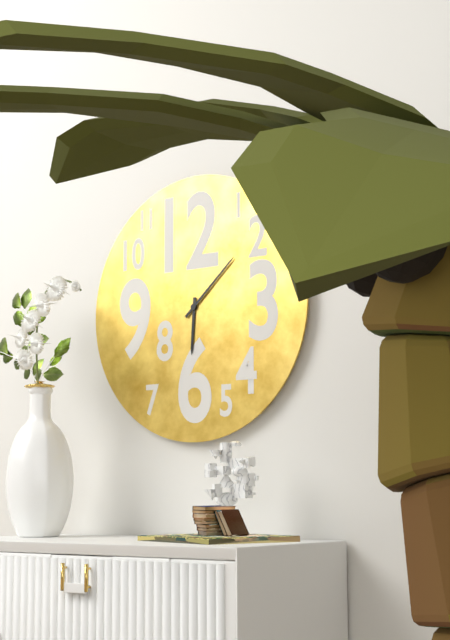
6.08
